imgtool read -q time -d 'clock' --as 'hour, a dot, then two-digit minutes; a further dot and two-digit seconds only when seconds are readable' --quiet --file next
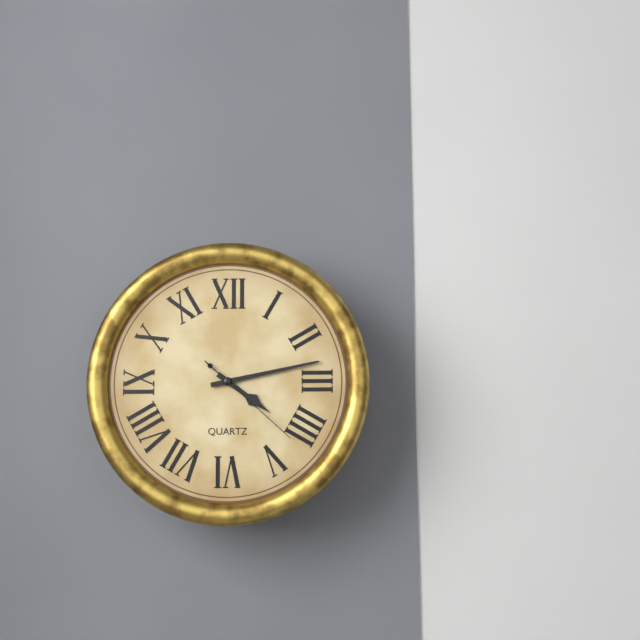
4.13.22
